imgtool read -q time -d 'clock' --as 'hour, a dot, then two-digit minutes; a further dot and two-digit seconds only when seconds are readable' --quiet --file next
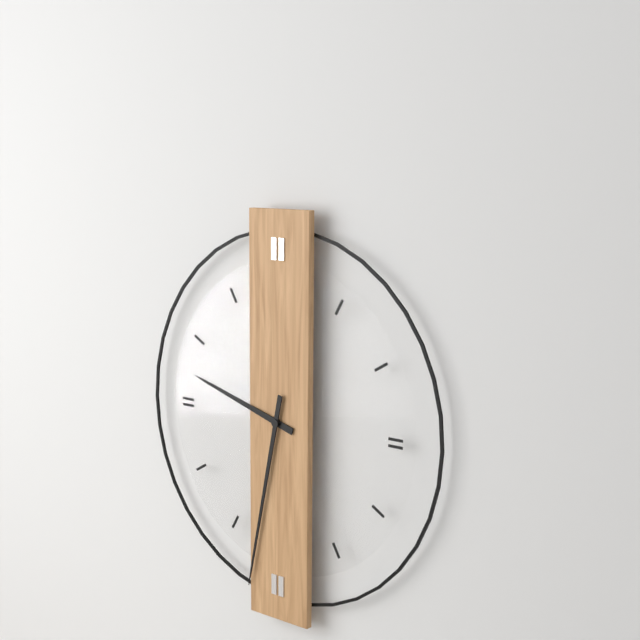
9.32
